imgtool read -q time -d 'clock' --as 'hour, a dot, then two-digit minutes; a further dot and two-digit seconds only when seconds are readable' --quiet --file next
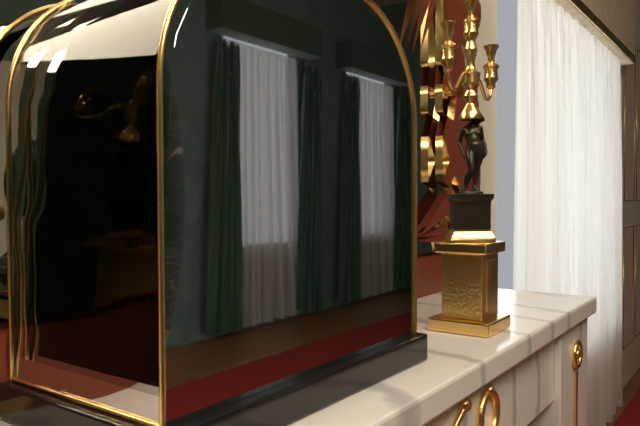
12.25
